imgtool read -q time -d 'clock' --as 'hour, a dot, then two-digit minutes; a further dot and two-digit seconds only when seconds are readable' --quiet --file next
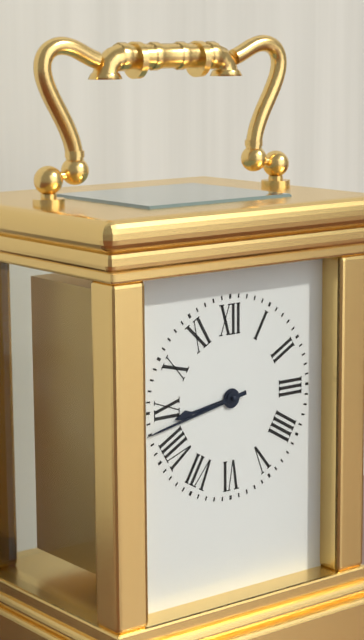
8.43
